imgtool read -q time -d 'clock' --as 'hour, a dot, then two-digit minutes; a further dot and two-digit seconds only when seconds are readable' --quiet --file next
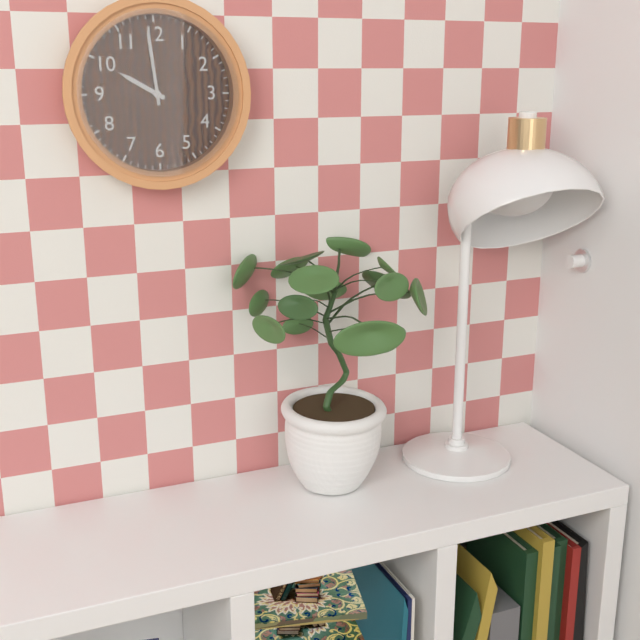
9.59
